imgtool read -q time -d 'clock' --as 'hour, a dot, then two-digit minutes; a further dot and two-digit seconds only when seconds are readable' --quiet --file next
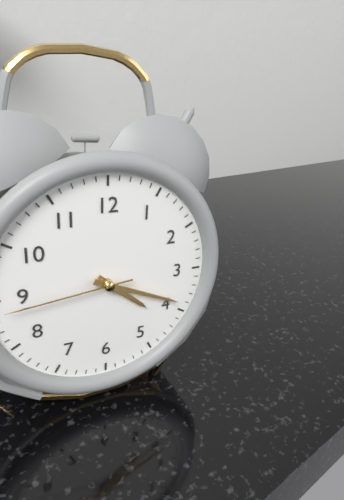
4.19.44
